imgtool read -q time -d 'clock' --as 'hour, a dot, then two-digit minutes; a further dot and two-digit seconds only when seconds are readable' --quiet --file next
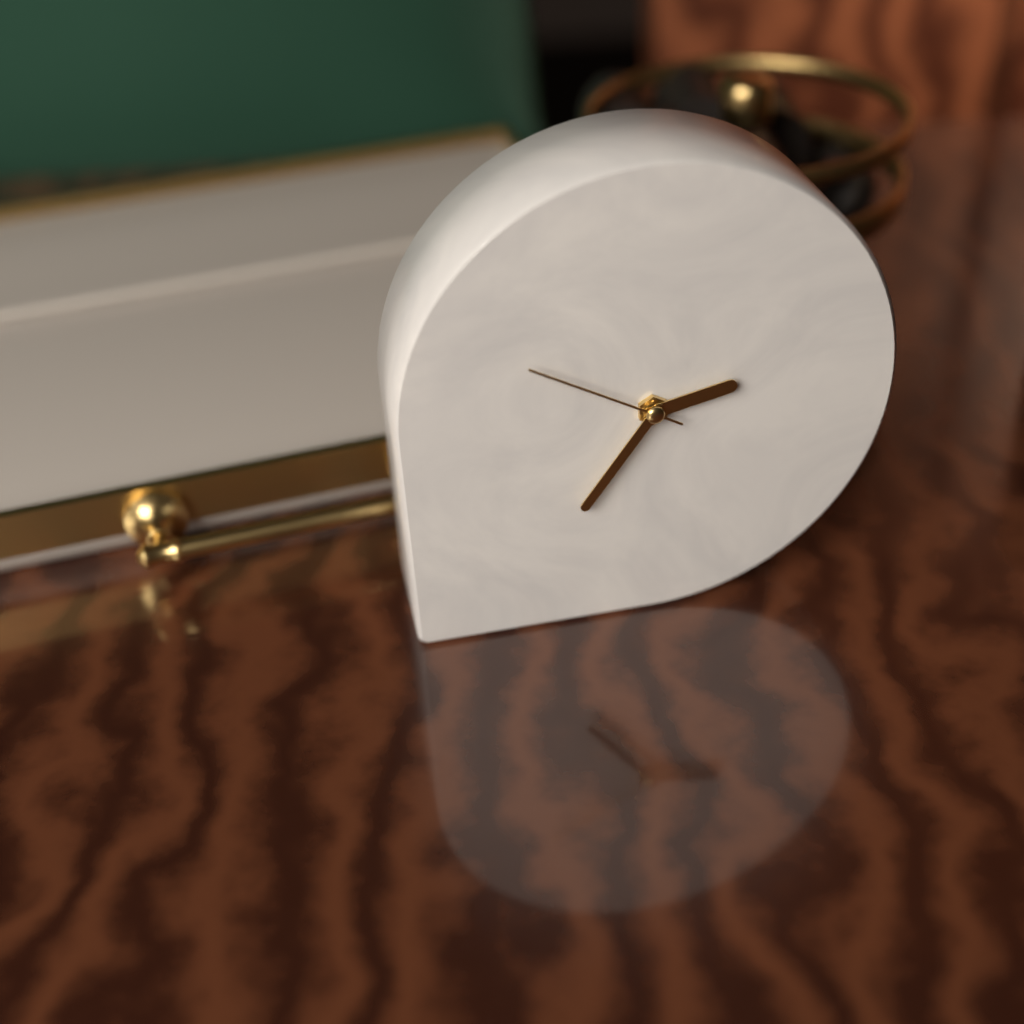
2.36.50
